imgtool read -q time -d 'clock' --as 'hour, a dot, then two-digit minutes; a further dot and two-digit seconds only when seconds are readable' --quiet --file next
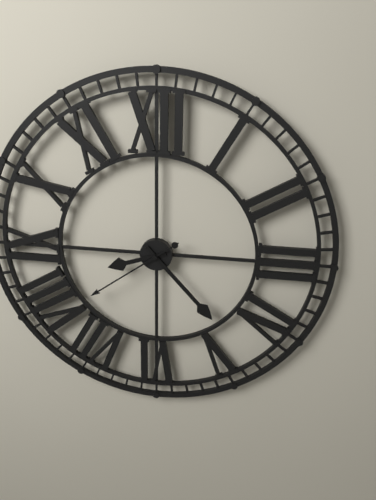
8.23.39
